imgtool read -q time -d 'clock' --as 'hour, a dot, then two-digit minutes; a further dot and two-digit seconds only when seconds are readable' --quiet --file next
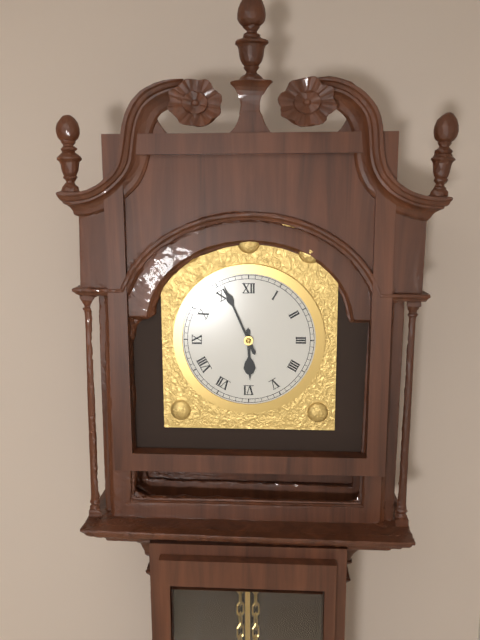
5.56
